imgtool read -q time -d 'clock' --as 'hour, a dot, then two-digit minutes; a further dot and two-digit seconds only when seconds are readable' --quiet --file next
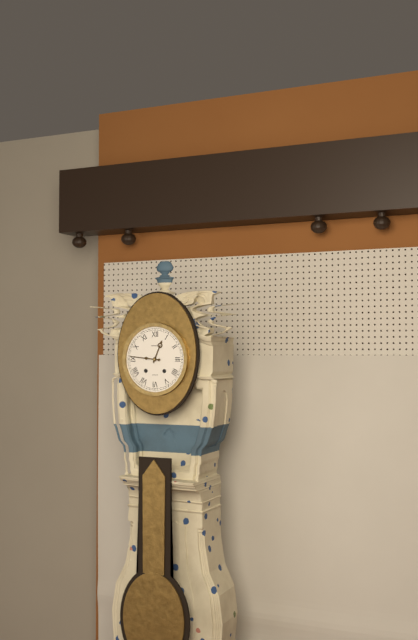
12.46
